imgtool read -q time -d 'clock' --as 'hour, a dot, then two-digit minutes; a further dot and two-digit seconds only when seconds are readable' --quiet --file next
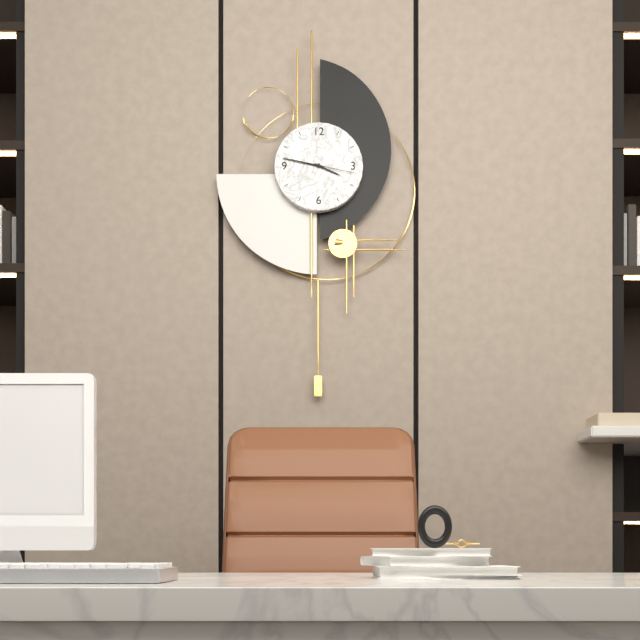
3.47
